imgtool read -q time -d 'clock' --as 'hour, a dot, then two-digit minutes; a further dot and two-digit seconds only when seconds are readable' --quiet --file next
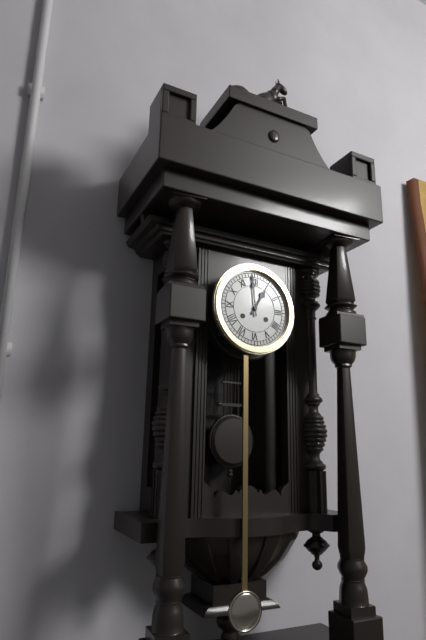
12.59
